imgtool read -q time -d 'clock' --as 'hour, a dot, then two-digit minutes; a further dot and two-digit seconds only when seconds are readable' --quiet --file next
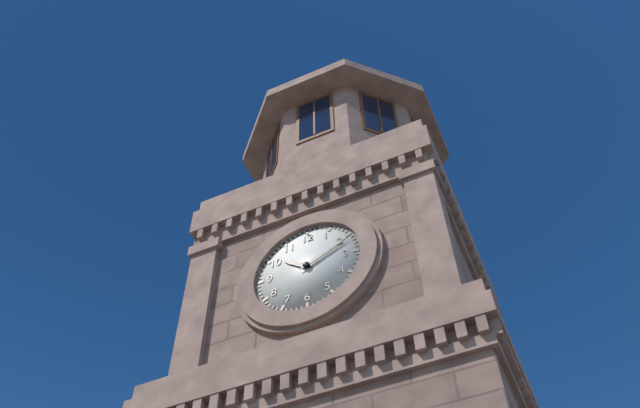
10.11
